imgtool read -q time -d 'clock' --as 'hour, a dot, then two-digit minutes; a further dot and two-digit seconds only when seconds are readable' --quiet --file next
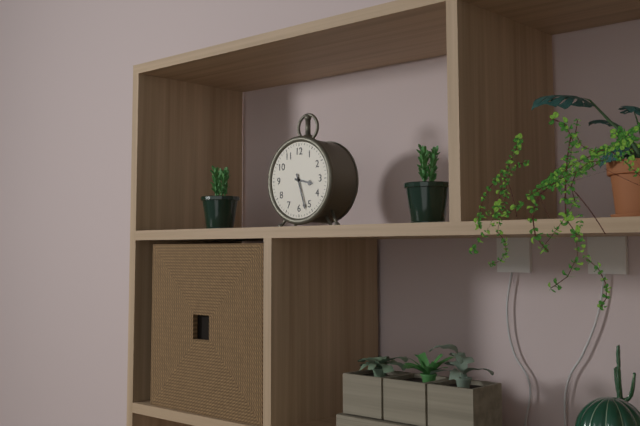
3.27
